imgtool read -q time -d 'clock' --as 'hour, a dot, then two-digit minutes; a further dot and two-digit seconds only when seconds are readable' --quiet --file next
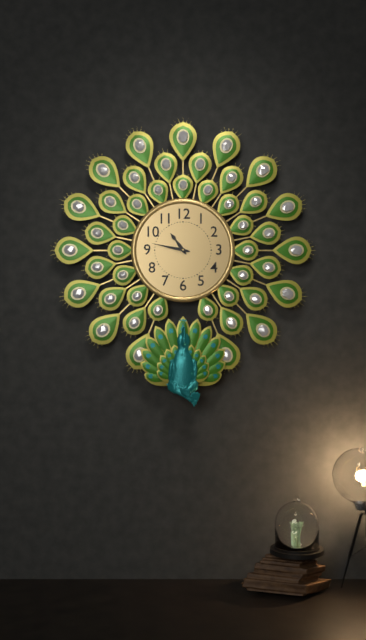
10.47
